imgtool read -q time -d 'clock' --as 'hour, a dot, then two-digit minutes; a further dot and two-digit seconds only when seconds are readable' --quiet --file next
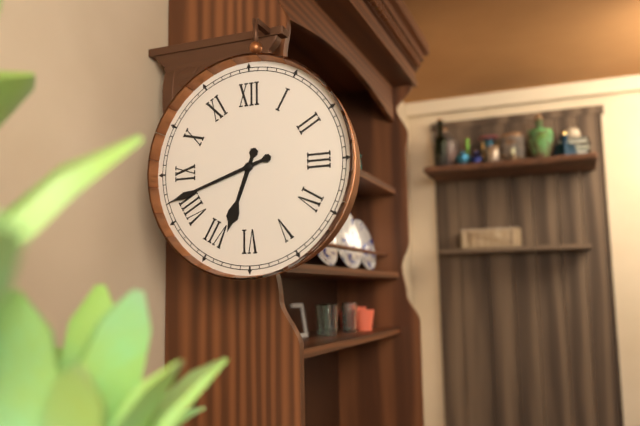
6.42
